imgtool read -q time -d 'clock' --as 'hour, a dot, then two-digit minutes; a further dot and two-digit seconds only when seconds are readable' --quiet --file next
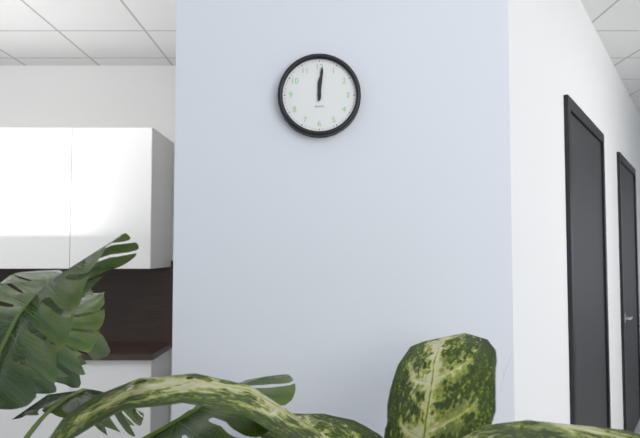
12.01
